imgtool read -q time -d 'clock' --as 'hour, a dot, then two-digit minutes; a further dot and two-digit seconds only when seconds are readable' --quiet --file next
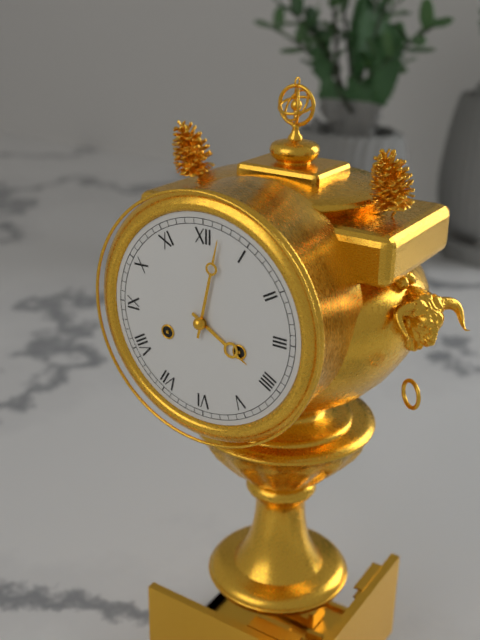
4.02
